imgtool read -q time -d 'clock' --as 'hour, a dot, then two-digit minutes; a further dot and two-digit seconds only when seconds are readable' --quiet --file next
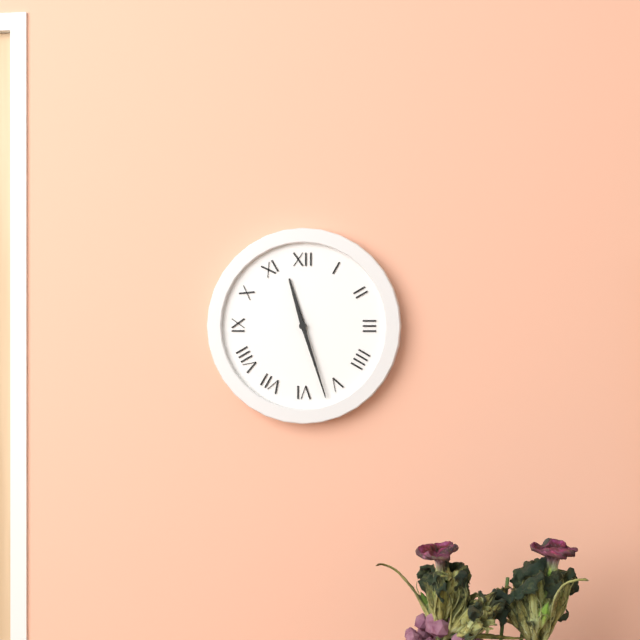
11.27
